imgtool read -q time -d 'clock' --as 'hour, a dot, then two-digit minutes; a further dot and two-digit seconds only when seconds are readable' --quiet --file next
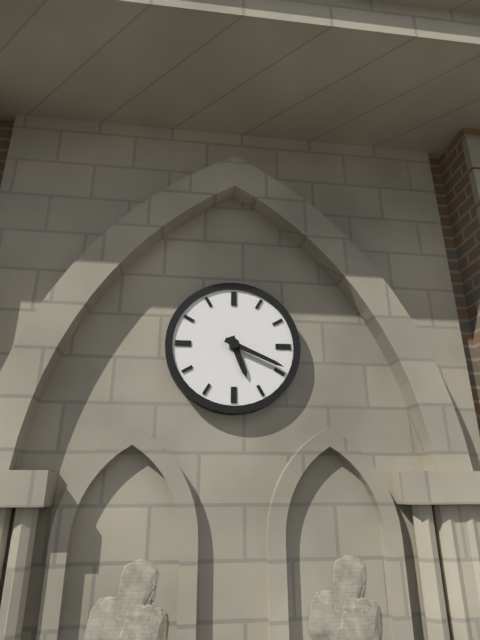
5.19
